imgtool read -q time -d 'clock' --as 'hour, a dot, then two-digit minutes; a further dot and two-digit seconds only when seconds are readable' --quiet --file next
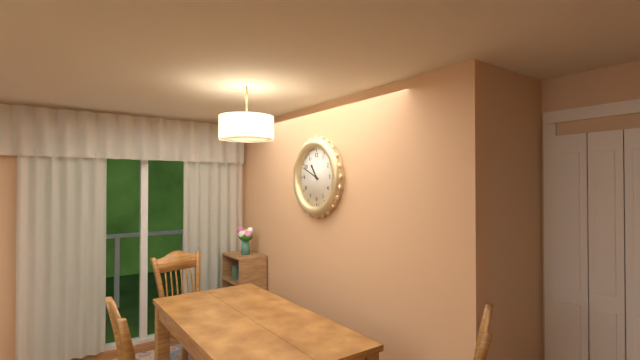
10.49
